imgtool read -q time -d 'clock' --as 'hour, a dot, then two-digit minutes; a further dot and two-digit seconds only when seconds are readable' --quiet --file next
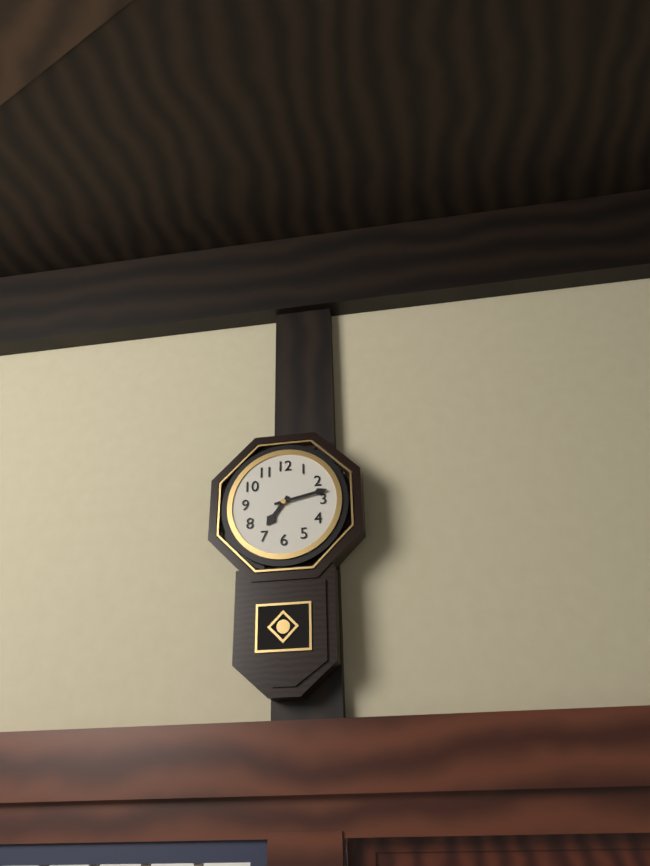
7.13
